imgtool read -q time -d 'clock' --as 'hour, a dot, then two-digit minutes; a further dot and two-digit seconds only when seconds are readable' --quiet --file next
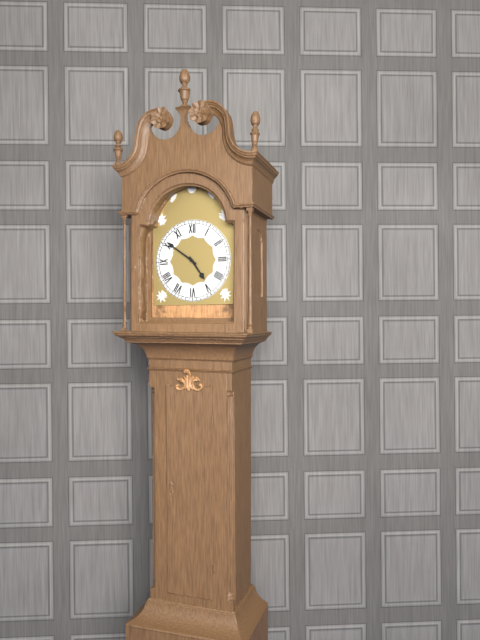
4.51
